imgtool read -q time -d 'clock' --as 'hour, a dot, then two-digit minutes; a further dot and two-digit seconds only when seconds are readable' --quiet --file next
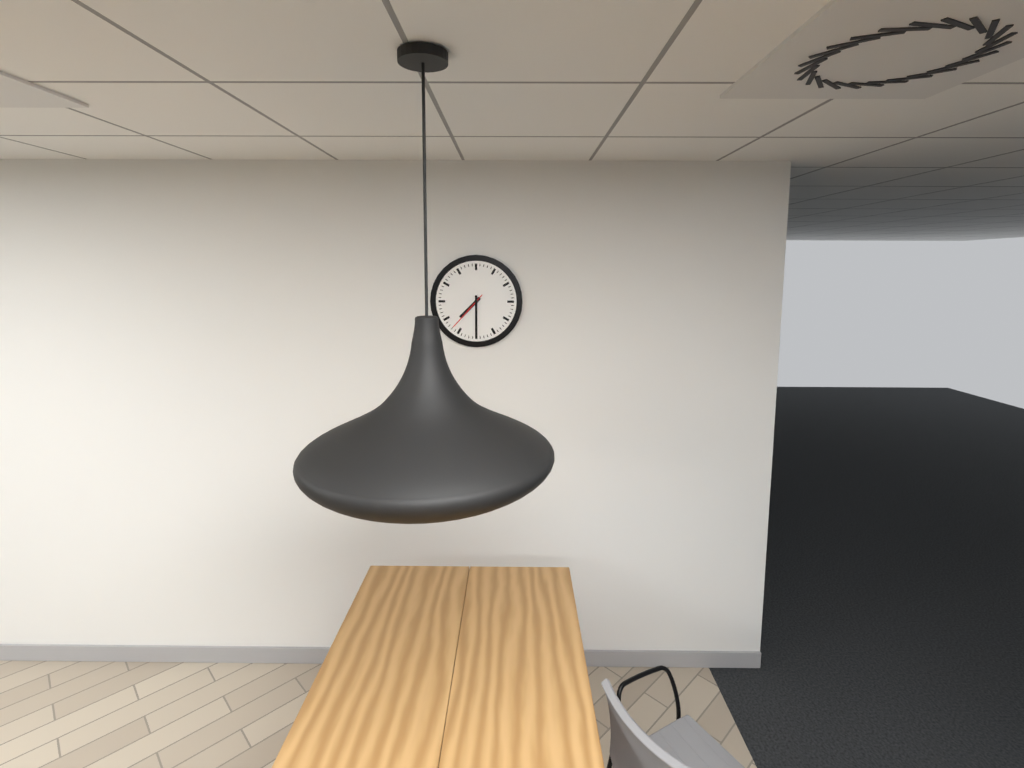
7.30
